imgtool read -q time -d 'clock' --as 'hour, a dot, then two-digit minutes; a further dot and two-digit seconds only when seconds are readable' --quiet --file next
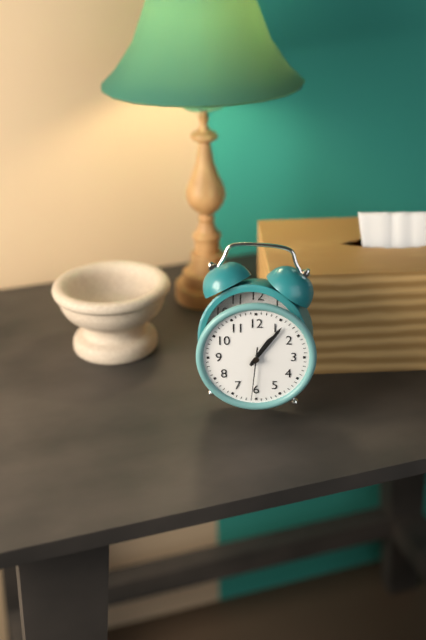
1.06.31
